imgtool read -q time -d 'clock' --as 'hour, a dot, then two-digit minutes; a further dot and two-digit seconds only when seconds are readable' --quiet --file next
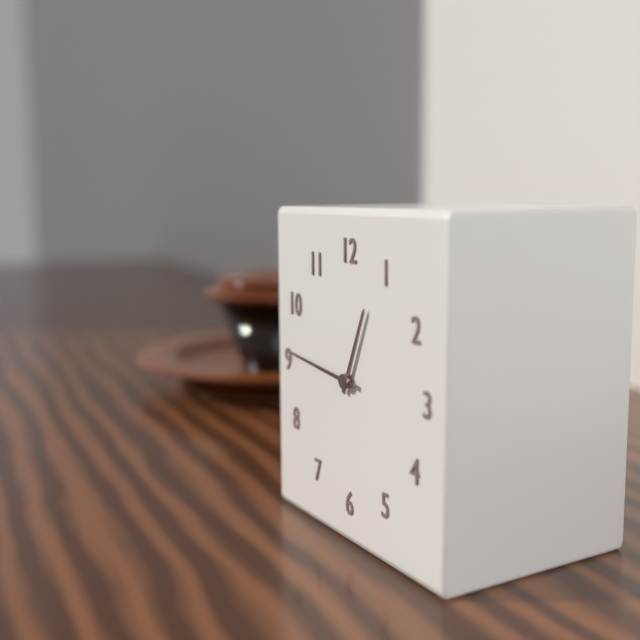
12.46
